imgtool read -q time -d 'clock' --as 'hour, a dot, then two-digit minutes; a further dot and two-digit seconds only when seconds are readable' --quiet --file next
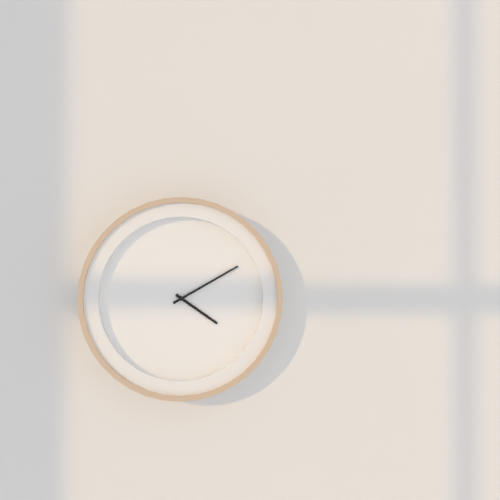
4.10
